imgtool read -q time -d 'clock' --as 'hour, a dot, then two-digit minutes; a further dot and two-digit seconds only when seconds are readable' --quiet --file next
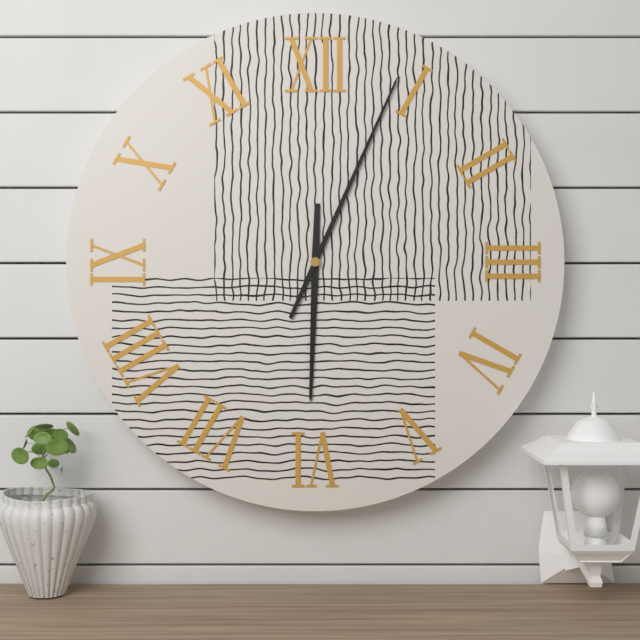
6.04
